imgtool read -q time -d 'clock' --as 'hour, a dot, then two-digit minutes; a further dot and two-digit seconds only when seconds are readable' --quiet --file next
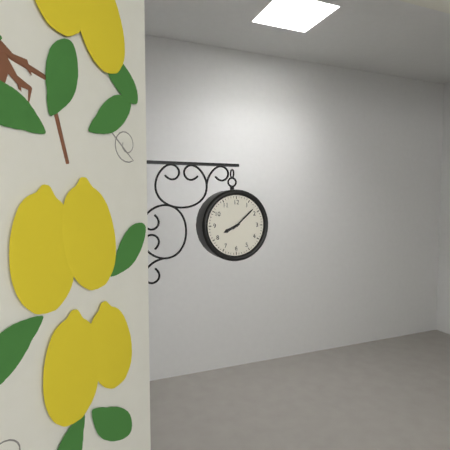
8.08
